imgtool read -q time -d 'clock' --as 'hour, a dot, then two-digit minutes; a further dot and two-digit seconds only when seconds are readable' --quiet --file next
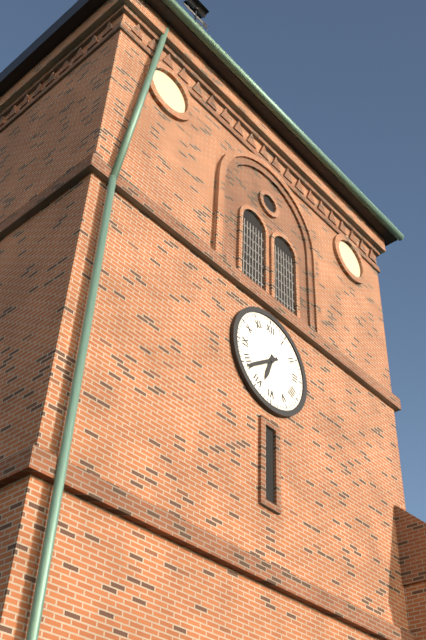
6.39
